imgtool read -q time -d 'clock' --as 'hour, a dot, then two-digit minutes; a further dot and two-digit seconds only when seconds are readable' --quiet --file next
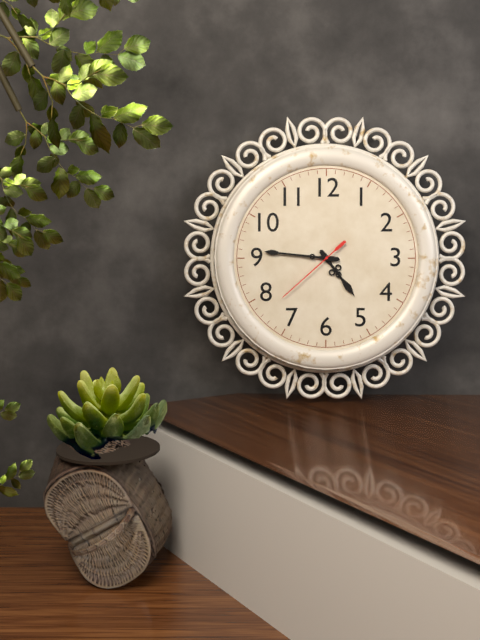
4.46.38
